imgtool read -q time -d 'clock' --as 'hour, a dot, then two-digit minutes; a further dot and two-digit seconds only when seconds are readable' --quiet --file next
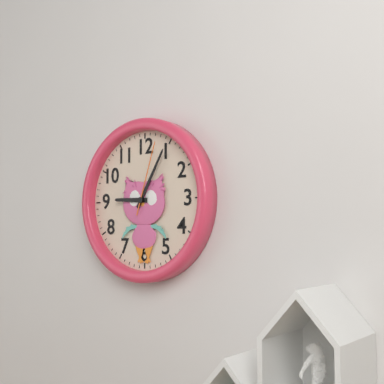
9.05.03
